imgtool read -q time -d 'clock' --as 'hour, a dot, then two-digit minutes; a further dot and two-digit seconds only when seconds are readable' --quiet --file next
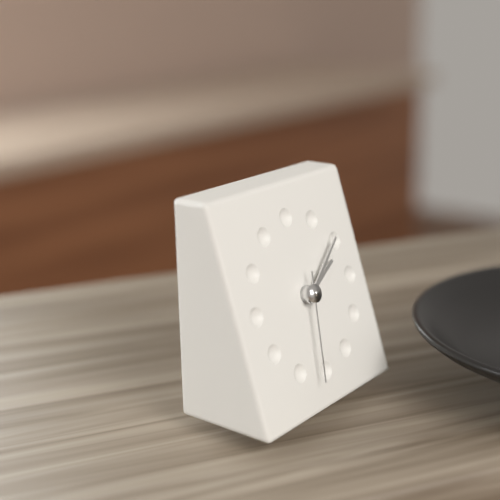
2.09.32
